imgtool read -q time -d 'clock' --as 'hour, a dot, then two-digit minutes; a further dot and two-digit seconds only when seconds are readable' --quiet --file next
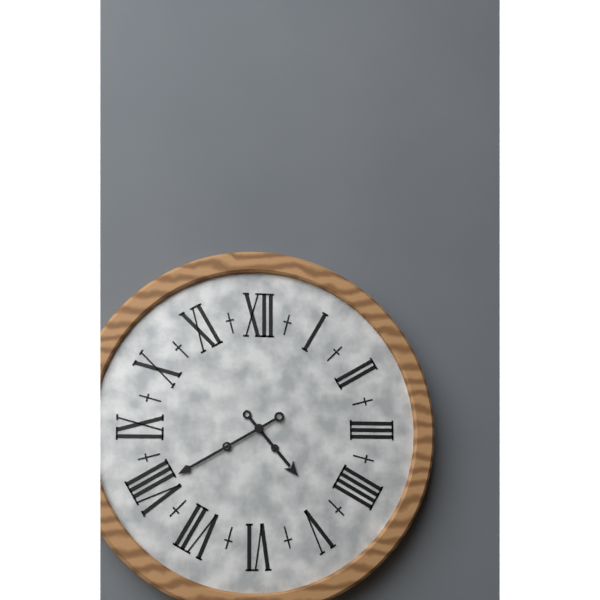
4.40
